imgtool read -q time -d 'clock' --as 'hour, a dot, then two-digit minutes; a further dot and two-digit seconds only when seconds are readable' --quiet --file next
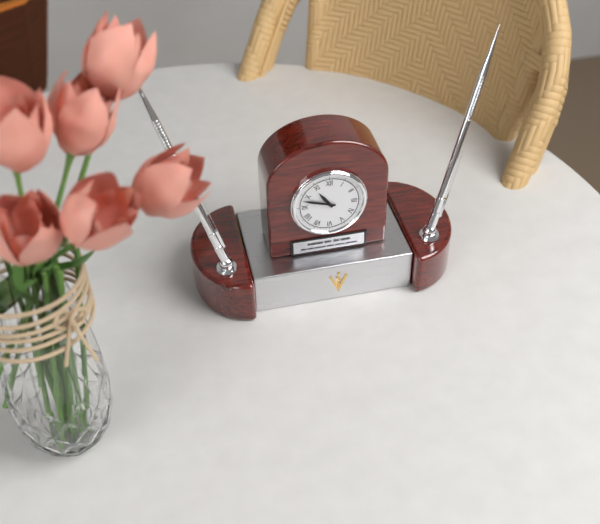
10.48
